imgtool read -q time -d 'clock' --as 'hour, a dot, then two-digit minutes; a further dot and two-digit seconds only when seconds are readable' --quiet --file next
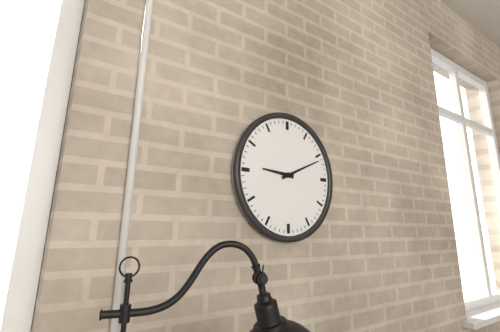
9.11
